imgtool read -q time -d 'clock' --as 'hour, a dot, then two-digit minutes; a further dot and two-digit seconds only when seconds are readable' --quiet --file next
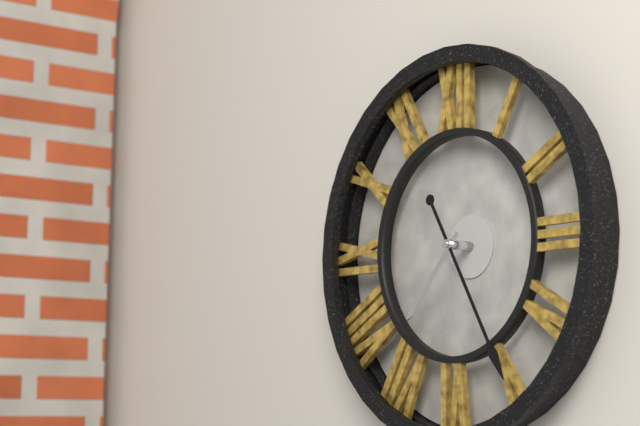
7.25
